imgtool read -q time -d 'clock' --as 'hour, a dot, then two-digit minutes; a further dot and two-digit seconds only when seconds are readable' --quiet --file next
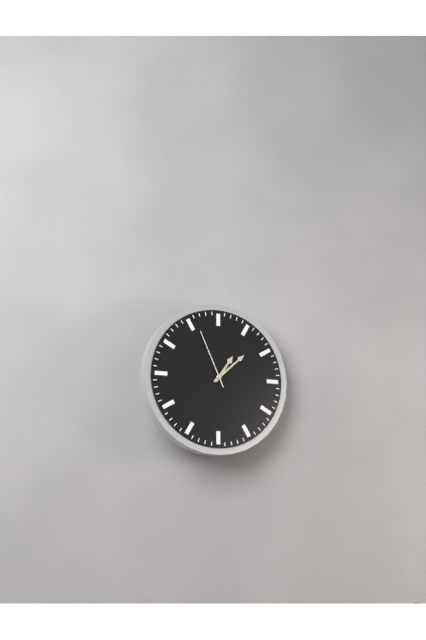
1.08.56
